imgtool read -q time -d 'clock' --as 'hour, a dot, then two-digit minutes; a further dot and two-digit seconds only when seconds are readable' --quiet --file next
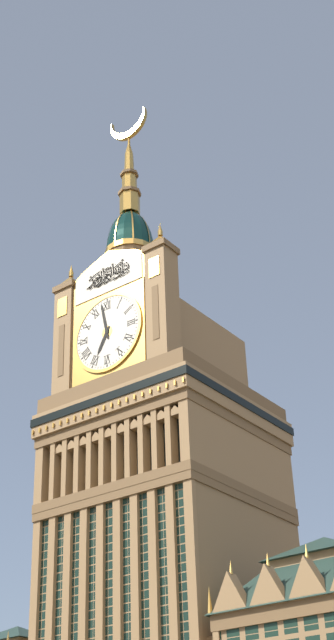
6.58
